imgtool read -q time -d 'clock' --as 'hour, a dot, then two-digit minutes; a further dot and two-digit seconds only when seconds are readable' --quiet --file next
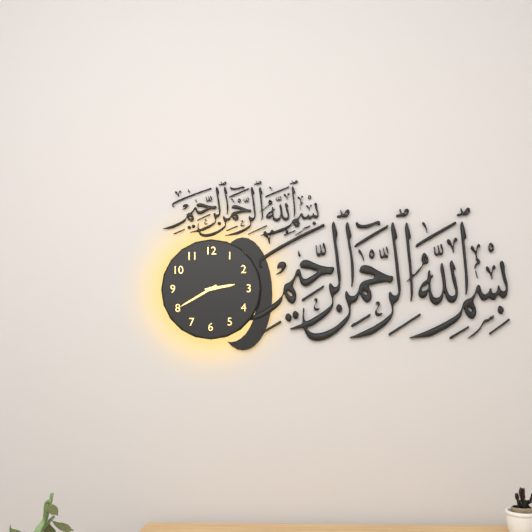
2.40
